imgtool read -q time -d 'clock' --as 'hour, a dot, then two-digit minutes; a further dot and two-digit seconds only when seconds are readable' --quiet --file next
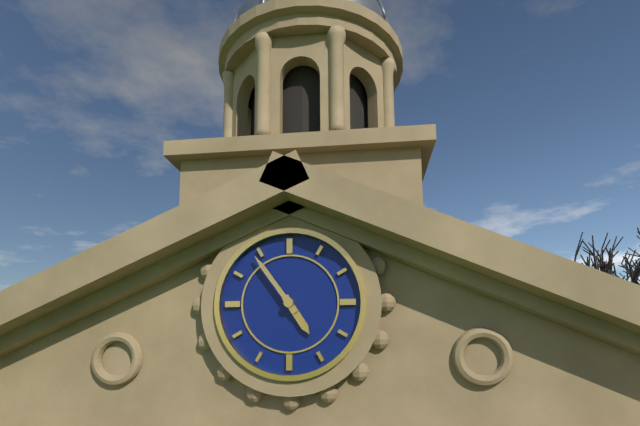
4.54
